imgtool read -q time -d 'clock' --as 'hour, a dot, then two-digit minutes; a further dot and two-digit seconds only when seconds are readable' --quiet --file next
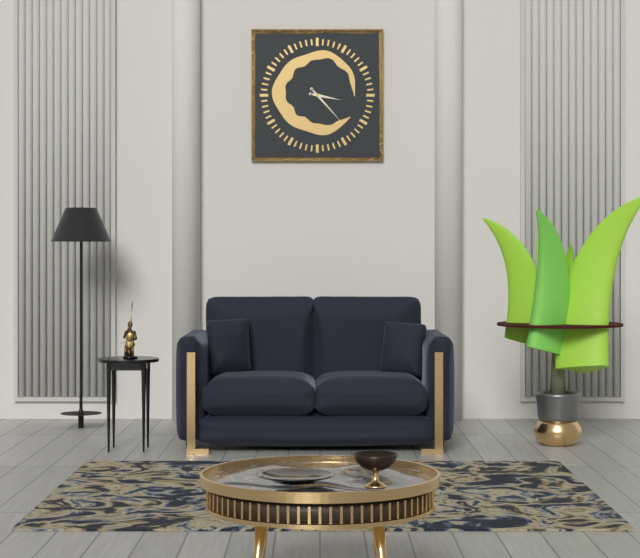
3.23
